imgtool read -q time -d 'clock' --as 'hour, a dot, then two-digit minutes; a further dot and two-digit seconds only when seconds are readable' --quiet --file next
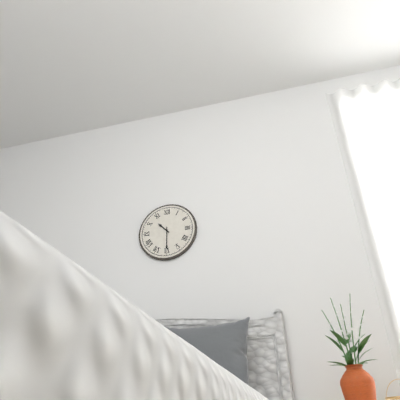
10.30
